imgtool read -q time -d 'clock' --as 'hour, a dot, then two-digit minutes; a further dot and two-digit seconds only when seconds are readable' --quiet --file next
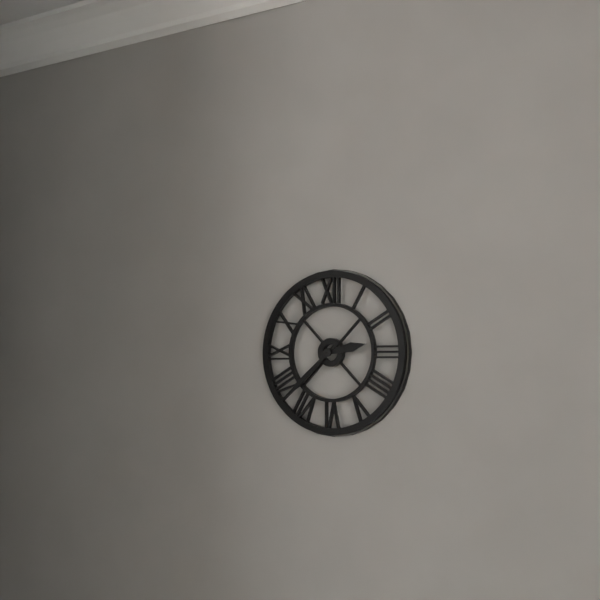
2.38
